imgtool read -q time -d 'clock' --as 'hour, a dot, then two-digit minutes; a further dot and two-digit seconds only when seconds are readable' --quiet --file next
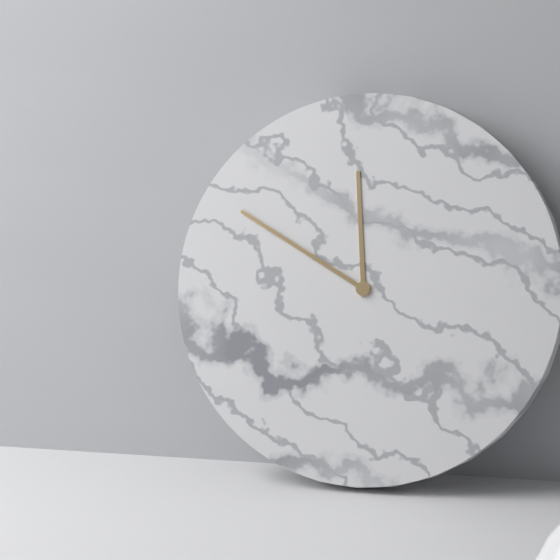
11.50
